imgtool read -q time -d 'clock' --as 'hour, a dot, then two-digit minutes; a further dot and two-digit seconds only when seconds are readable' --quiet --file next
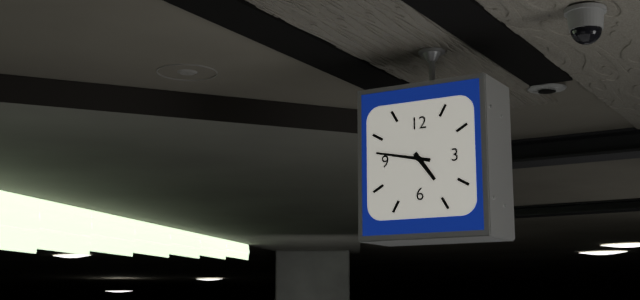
4.47
